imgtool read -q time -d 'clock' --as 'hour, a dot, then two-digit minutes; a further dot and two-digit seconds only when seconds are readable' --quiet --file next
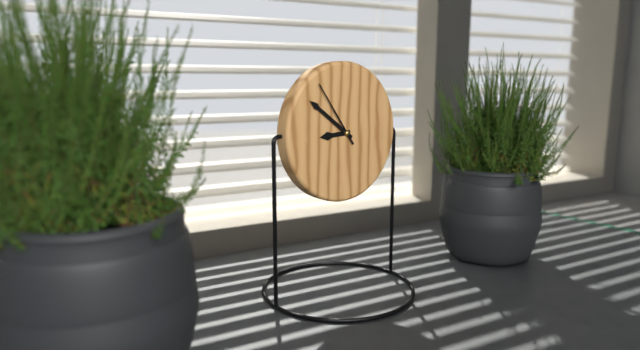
8.51.54
